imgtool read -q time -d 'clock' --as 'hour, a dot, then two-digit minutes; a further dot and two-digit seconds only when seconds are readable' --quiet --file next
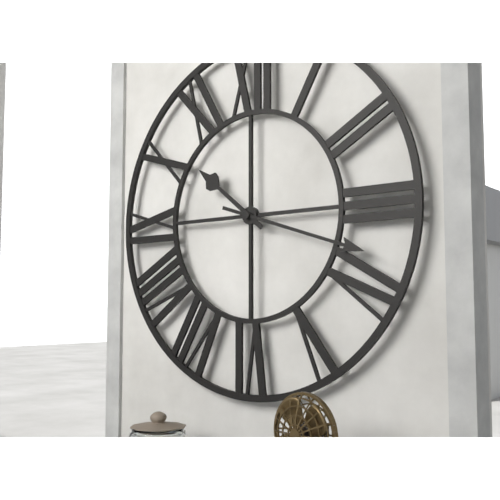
10.18
